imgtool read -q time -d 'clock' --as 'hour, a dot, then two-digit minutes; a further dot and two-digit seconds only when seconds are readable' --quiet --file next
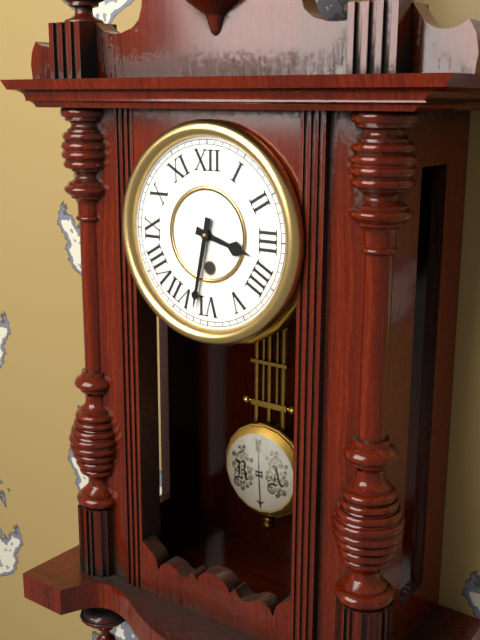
3.32
